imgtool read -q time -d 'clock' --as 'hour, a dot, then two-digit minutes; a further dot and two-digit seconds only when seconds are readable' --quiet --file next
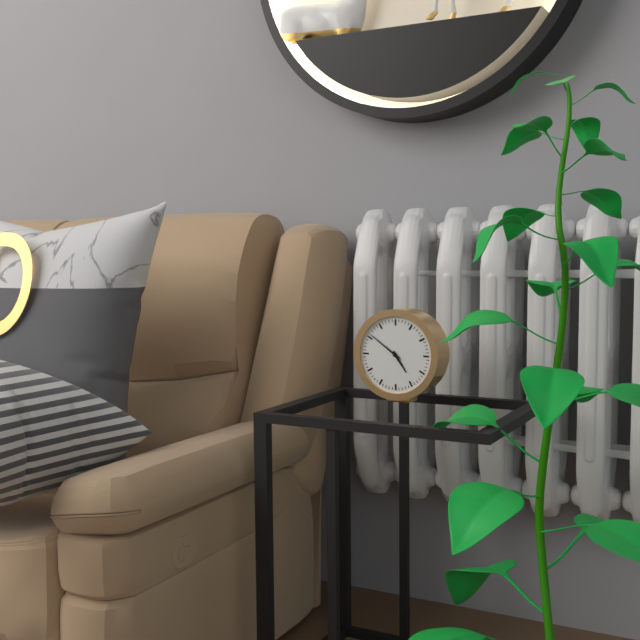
4.51
